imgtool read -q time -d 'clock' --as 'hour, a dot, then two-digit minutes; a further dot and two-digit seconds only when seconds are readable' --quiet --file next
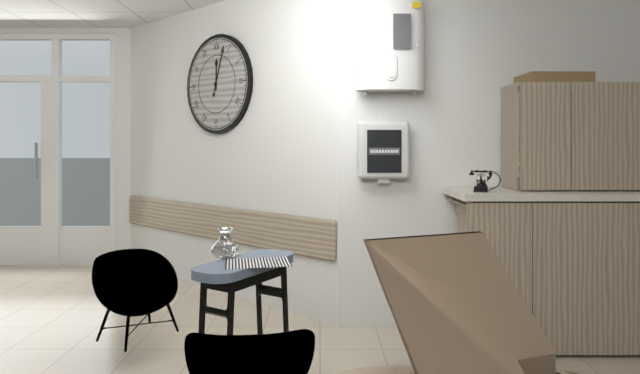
12.03
